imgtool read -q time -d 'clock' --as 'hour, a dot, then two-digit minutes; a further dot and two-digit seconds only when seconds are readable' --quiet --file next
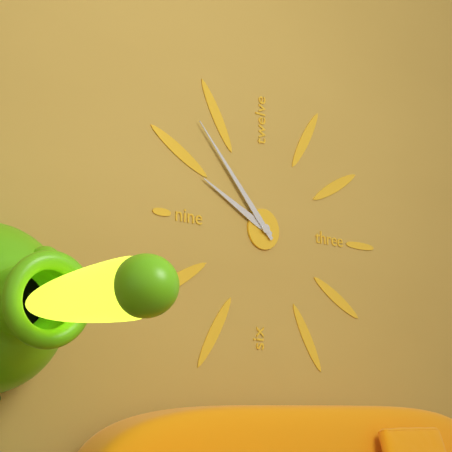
9.53
